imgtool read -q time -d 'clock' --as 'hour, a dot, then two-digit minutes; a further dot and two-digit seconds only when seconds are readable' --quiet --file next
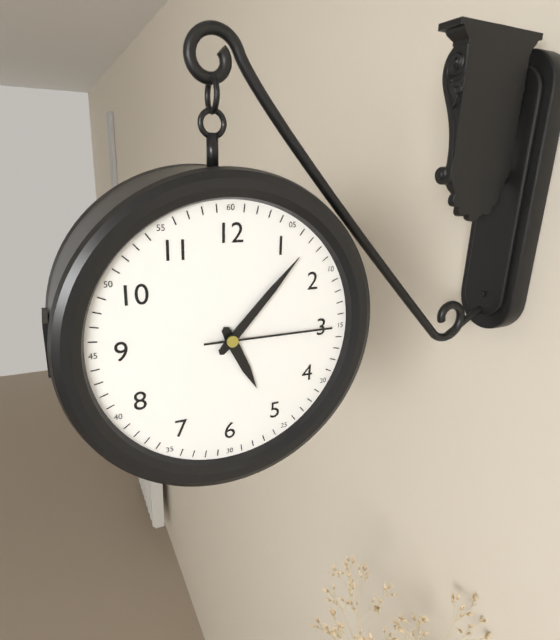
5.07.15
